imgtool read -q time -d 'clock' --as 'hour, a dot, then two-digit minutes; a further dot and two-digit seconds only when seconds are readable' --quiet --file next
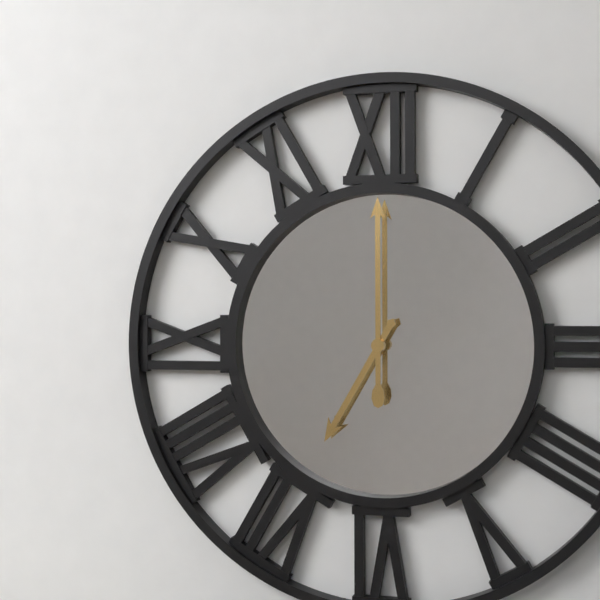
7.00
